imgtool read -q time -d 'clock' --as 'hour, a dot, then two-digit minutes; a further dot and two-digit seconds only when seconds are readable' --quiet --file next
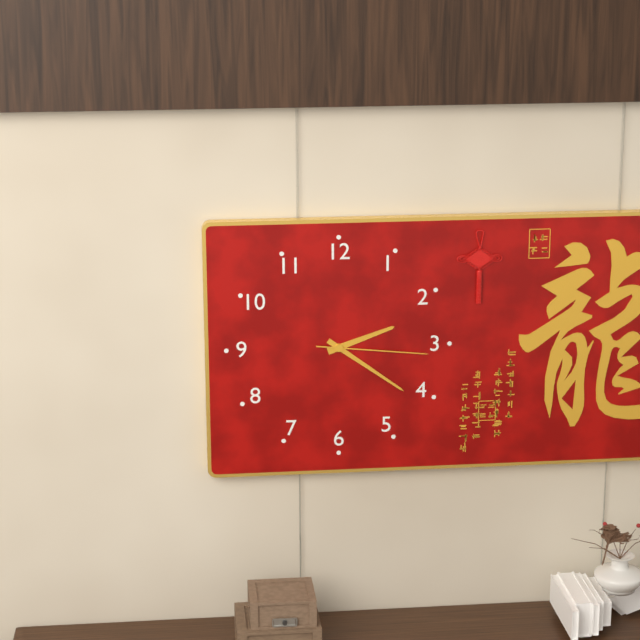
2.21.16
